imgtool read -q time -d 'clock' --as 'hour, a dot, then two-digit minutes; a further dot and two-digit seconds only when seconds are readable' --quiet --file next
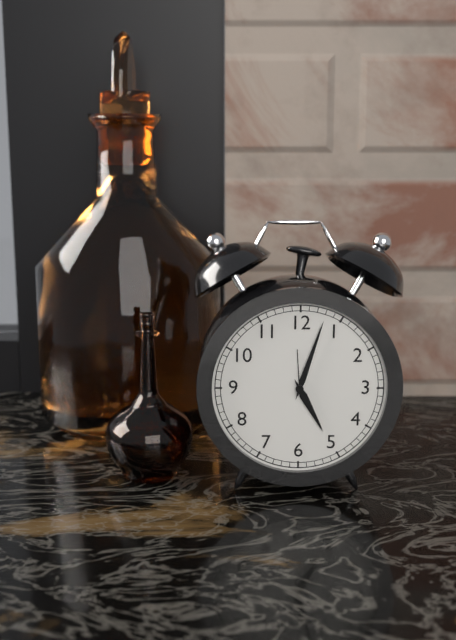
5.03
